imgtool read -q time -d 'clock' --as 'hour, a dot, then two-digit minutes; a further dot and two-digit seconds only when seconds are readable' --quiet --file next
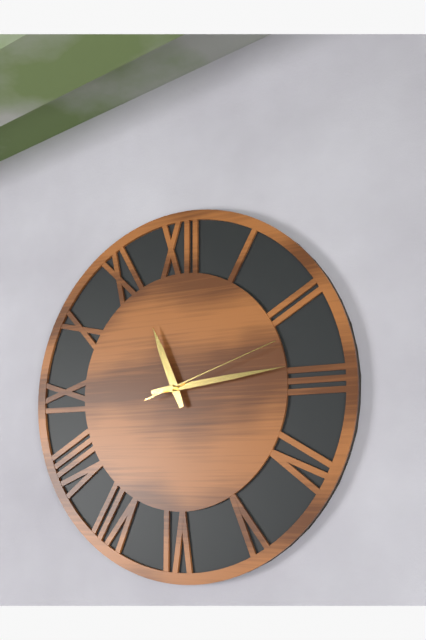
11.14.12
